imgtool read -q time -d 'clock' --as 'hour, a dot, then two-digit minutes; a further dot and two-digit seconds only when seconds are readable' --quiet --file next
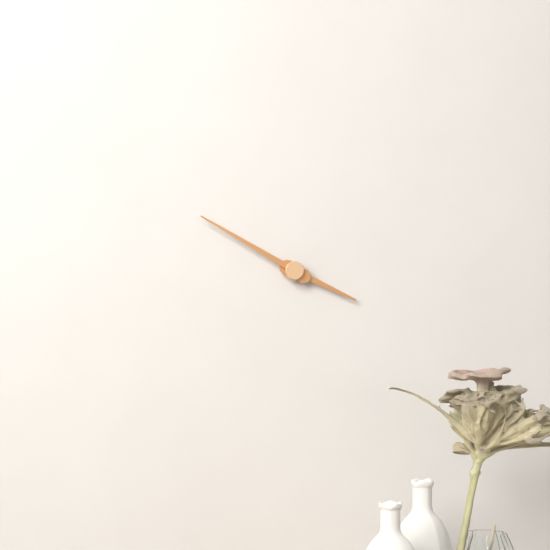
3.50
